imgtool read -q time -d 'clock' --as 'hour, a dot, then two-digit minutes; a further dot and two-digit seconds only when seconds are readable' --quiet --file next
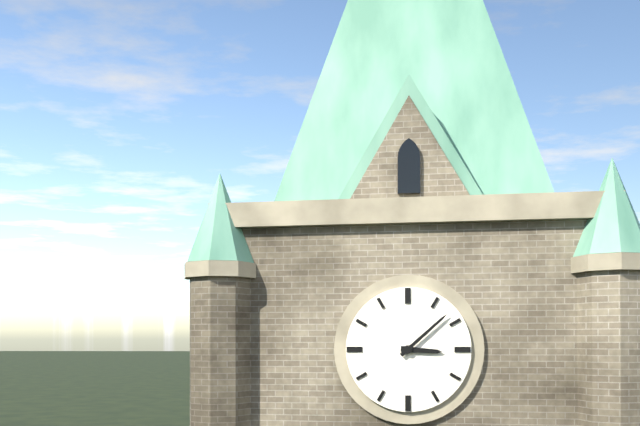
3.08
